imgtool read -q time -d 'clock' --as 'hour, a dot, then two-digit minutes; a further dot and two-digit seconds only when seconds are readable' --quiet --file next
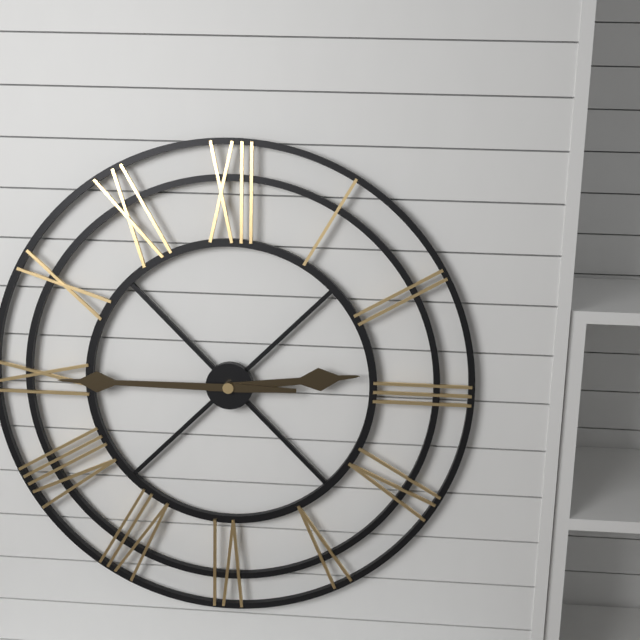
2.45
